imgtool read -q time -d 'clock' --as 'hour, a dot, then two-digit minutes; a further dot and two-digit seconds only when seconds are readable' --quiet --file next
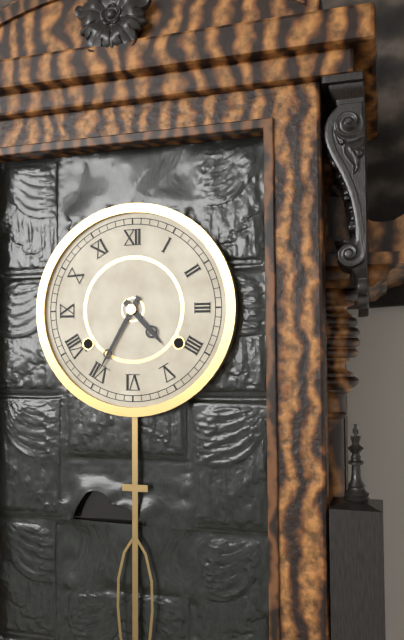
4.35
